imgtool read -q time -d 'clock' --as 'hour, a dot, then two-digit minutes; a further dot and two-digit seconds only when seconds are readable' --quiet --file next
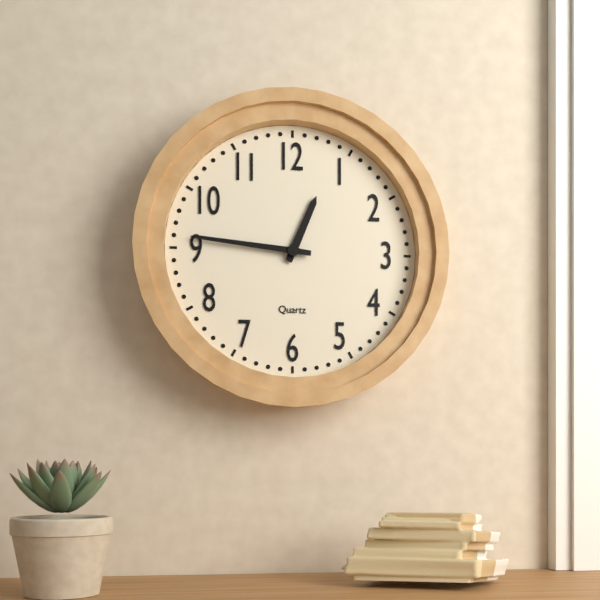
12.46
